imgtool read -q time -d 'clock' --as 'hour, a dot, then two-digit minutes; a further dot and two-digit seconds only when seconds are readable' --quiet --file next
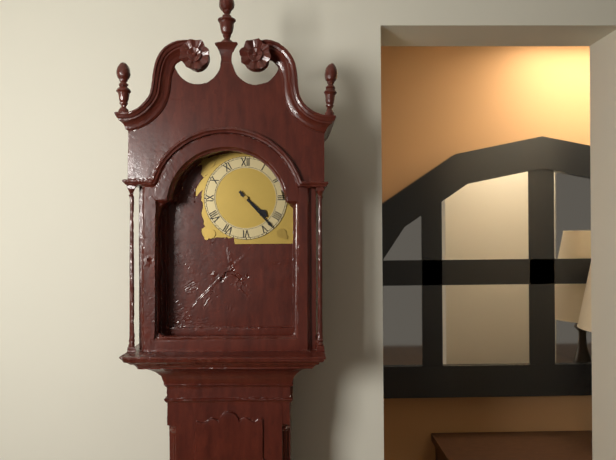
4.23
